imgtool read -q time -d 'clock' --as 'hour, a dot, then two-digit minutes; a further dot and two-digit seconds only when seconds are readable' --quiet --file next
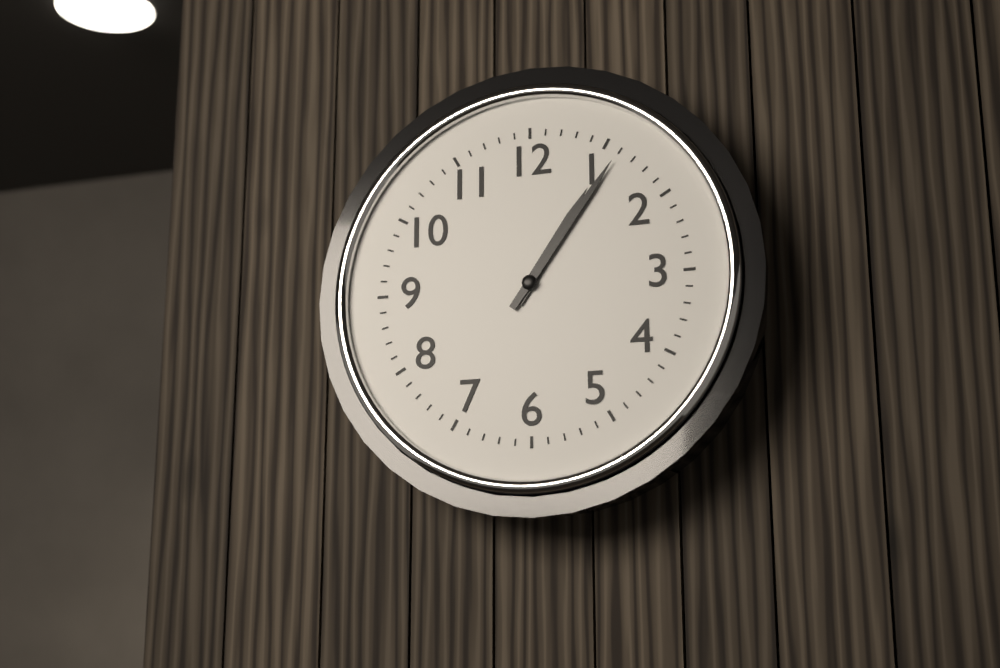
1.06
